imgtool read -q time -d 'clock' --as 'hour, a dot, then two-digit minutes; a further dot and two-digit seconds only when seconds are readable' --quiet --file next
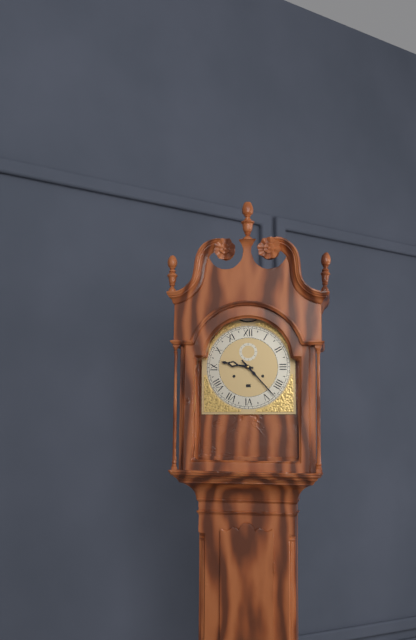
9.23
